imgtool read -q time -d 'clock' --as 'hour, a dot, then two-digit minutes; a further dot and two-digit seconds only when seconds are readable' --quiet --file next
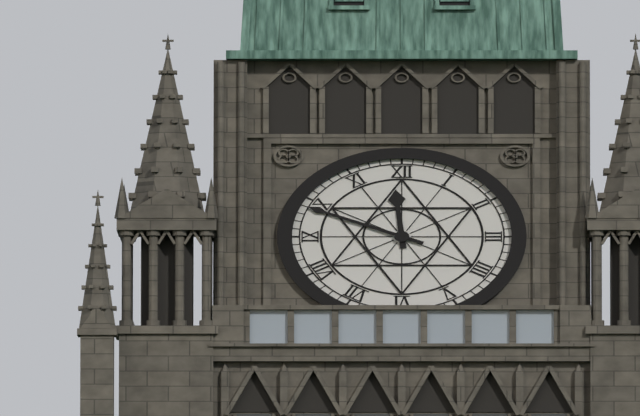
11.49
